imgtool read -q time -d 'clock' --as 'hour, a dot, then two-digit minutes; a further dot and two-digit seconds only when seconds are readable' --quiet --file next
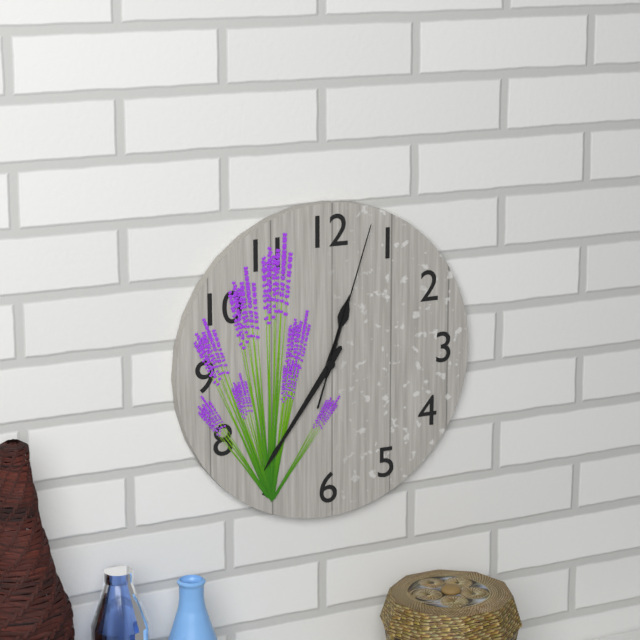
12.36.03
